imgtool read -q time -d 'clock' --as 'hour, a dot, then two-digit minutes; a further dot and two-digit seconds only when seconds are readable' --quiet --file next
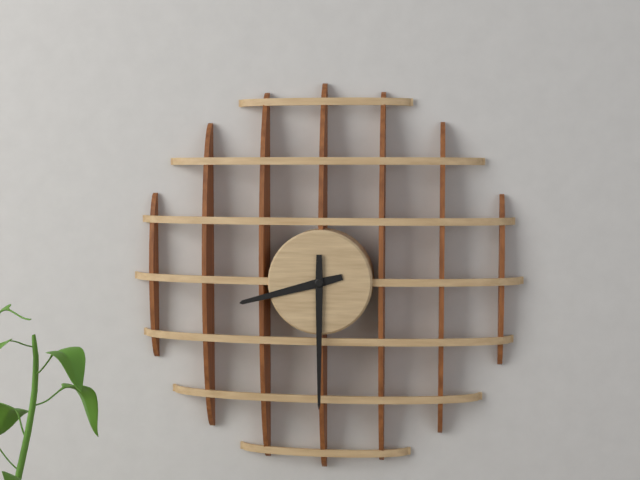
8.30
